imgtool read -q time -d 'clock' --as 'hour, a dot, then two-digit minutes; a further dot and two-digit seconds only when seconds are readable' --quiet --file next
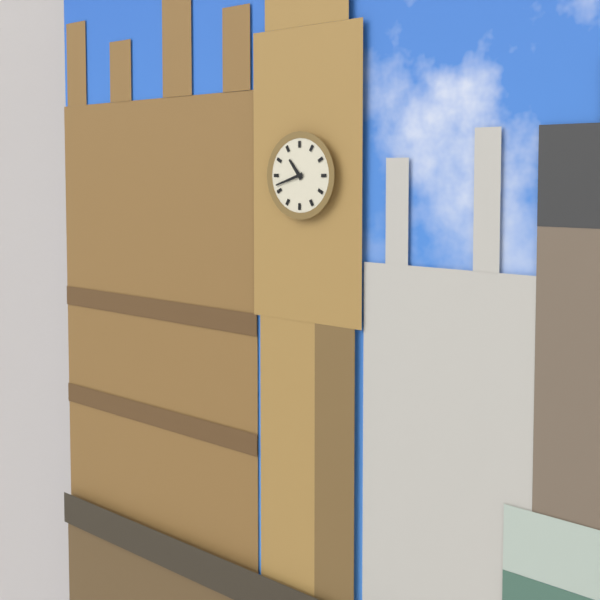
10.42
